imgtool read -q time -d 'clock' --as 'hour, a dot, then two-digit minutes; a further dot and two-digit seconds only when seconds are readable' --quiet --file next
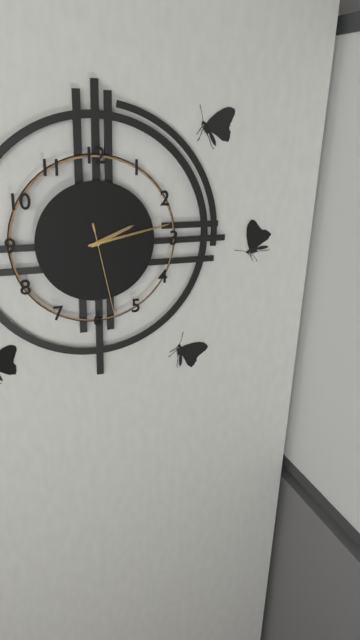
2.13.28
